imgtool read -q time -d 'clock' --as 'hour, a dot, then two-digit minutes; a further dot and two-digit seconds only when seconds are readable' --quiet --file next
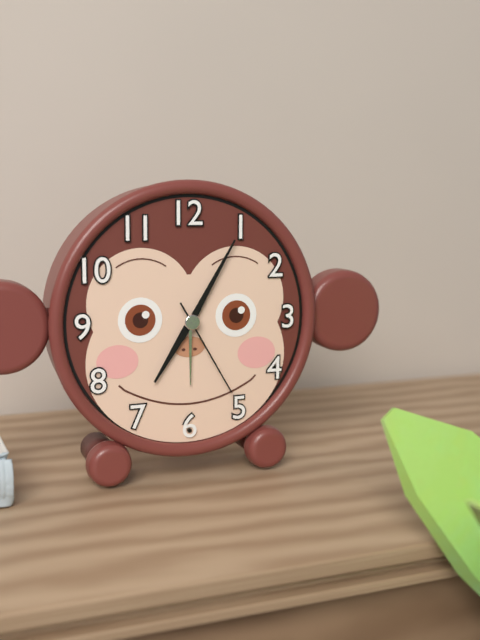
7.05.25
